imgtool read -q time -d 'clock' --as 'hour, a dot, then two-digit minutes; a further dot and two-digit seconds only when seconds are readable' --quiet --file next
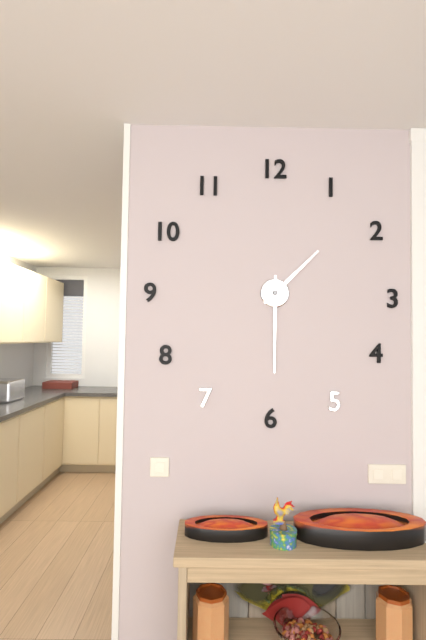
1.30
